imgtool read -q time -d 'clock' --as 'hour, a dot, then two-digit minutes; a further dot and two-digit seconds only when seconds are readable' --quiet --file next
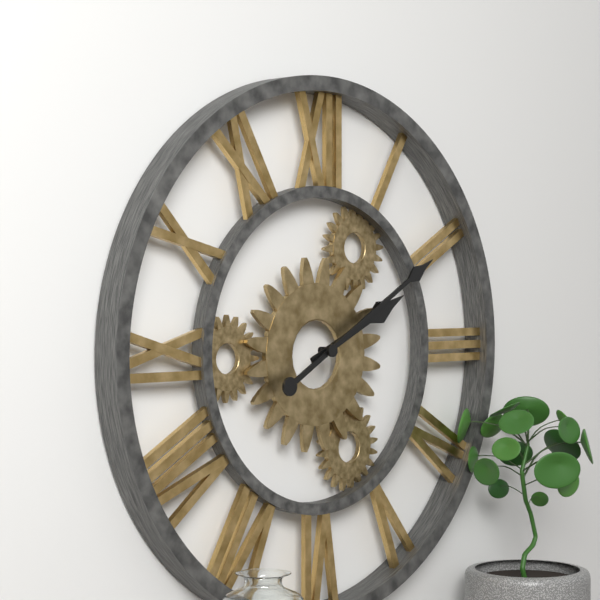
2.10
